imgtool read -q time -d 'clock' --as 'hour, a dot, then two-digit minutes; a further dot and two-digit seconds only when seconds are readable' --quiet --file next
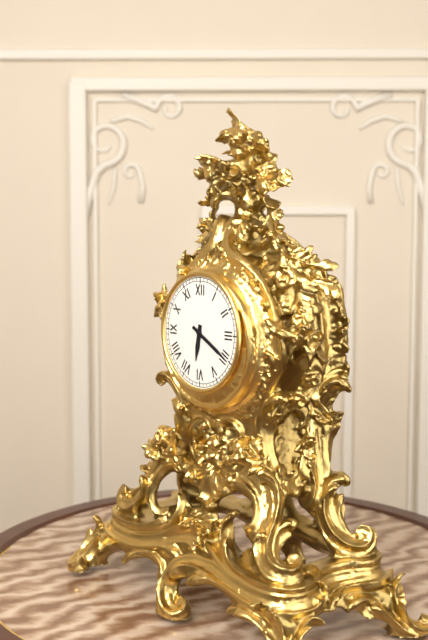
6.20
